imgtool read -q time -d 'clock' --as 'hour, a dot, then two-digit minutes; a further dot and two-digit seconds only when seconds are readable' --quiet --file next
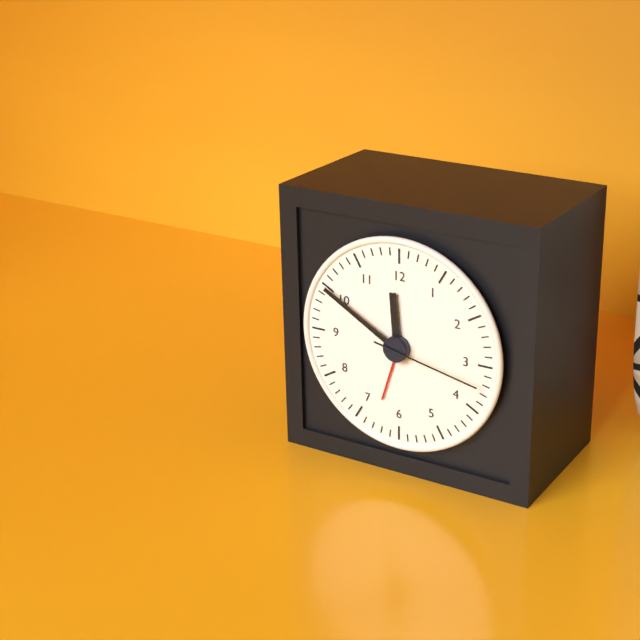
11.50.17
